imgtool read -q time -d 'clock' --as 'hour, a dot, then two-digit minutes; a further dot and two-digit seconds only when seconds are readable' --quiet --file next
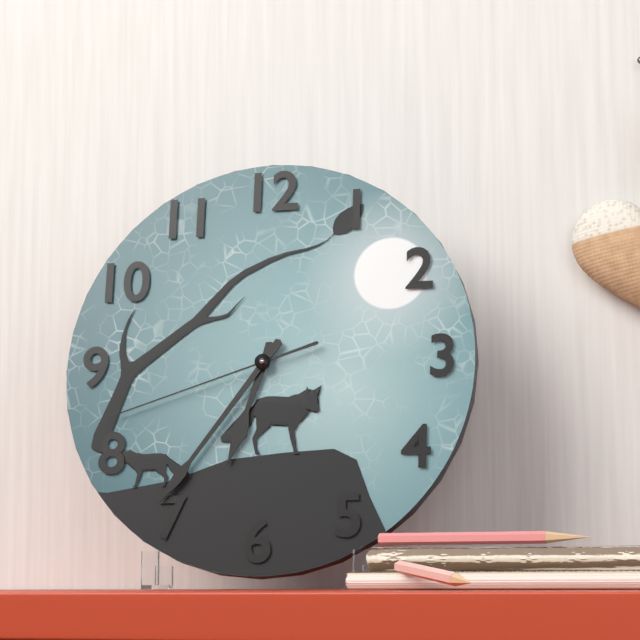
6.36.42
